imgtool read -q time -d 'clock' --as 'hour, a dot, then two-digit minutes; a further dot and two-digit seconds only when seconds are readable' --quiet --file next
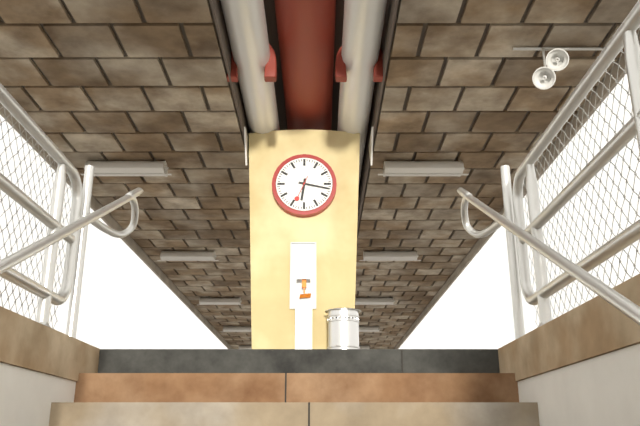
6.17
